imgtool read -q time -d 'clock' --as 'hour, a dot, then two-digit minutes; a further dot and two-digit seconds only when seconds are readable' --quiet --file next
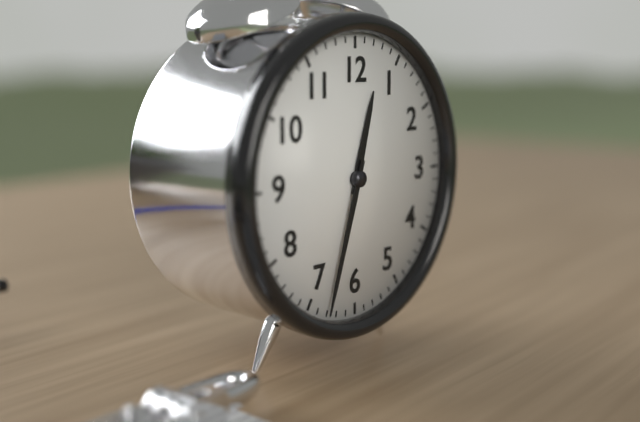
12.33
